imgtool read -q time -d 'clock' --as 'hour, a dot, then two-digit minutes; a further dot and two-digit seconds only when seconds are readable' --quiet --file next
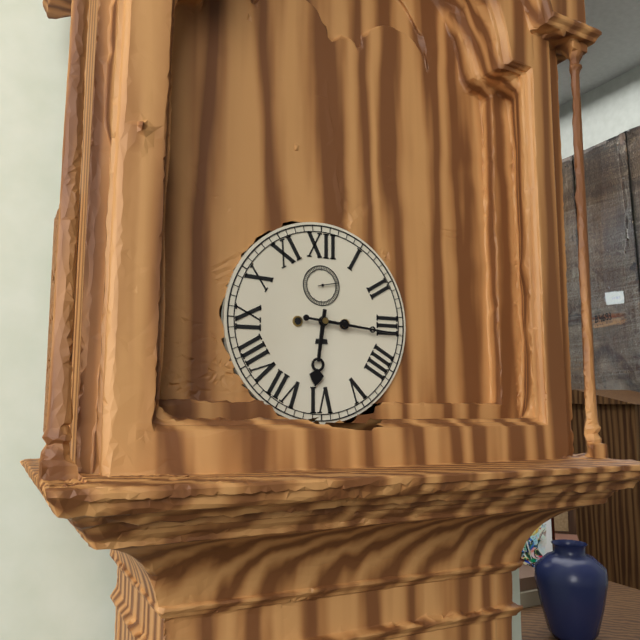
6.16
